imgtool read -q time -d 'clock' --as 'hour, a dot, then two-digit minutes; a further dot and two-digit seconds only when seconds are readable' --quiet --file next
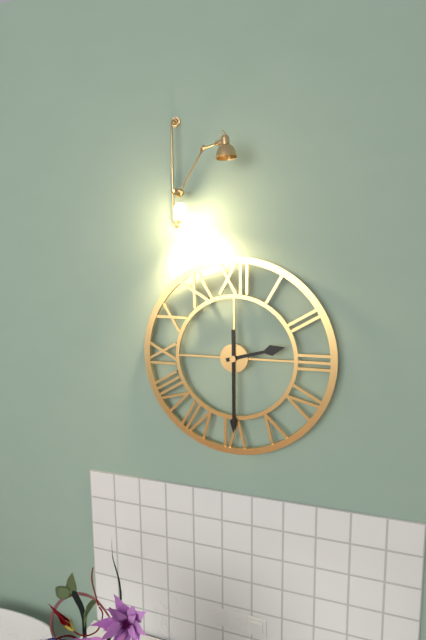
2.30
